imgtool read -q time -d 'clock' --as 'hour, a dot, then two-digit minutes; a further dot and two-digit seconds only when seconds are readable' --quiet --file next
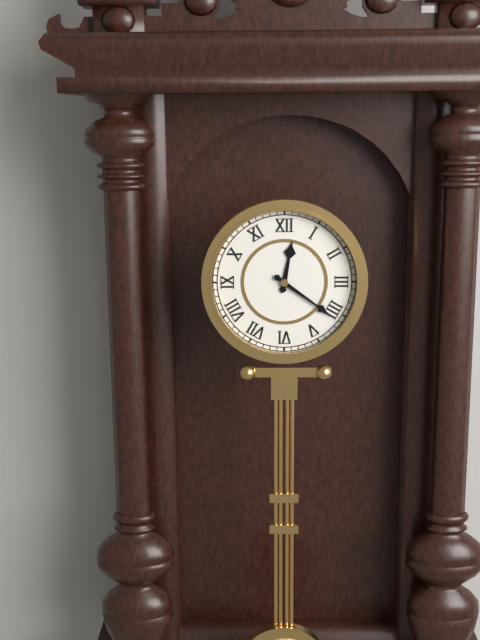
12.21
